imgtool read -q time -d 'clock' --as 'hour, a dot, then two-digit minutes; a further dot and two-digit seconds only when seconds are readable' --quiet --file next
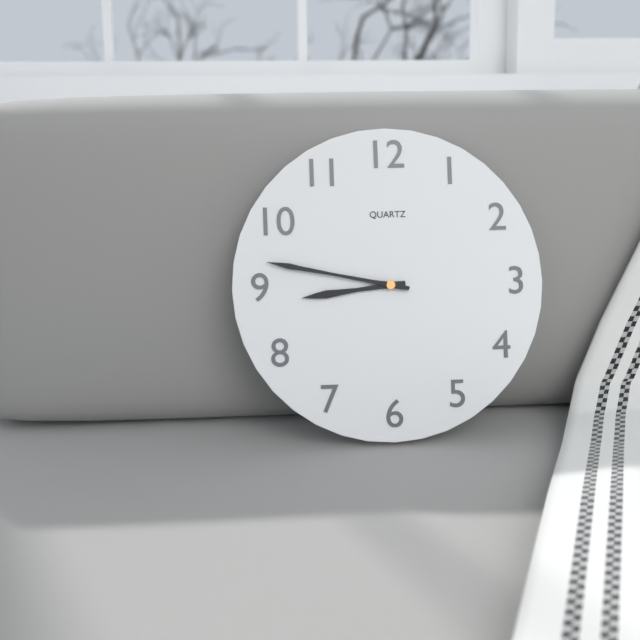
8.47
